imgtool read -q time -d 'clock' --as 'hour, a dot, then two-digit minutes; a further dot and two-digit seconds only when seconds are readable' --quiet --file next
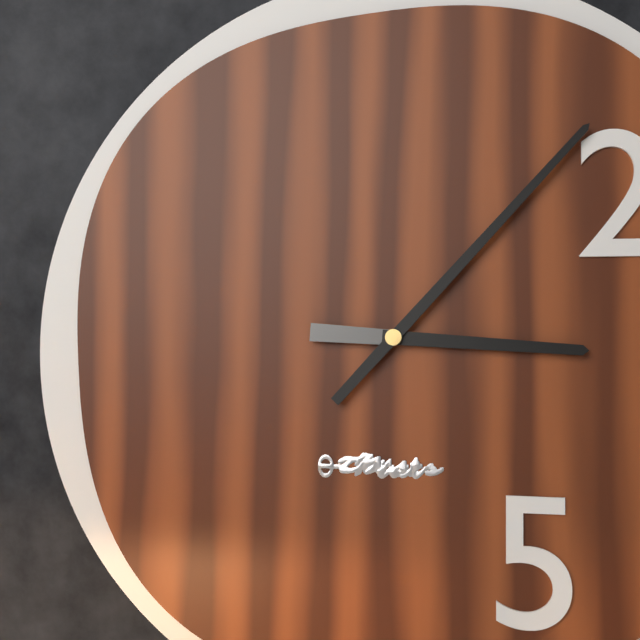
3.07
